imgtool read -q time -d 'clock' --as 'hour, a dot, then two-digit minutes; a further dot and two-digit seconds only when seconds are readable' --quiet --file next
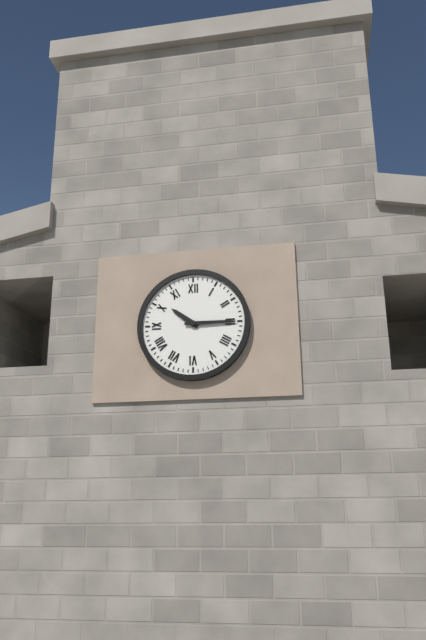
10.15
